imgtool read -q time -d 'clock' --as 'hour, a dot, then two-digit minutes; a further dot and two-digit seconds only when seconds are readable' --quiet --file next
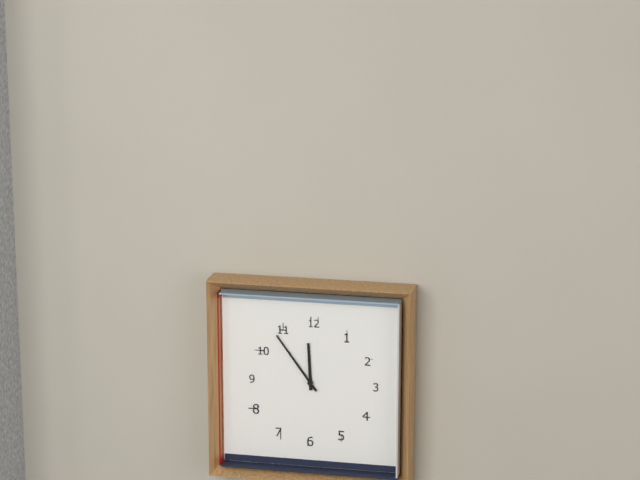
11.54
